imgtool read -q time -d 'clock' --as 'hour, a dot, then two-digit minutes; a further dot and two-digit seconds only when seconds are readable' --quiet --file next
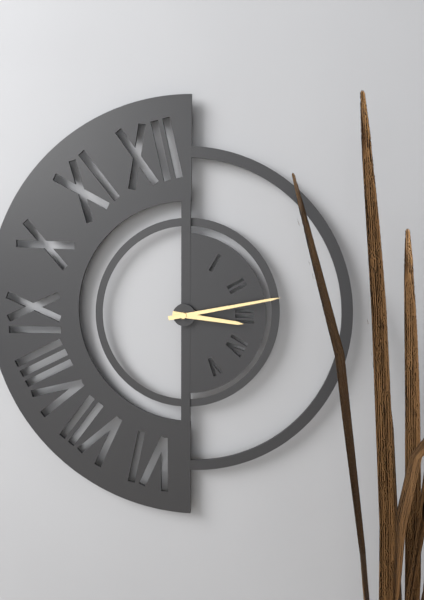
3.13
